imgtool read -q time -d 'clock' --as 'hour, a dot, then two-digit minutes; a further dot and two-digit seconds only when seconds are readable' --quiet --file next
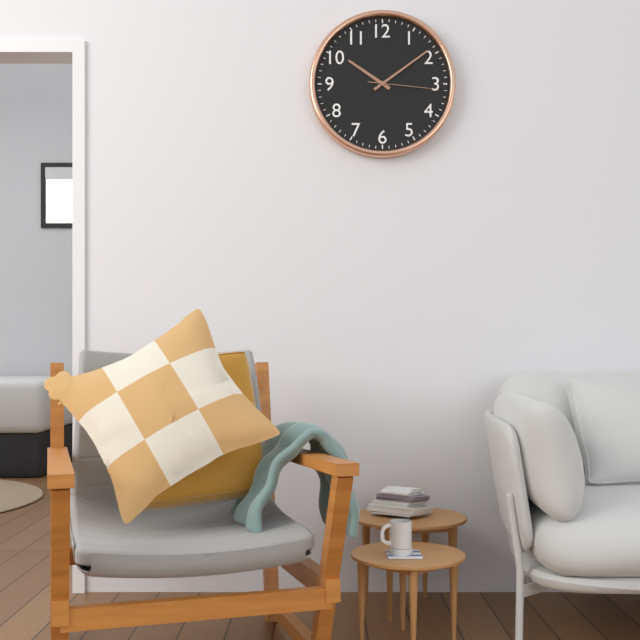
10.09.16
